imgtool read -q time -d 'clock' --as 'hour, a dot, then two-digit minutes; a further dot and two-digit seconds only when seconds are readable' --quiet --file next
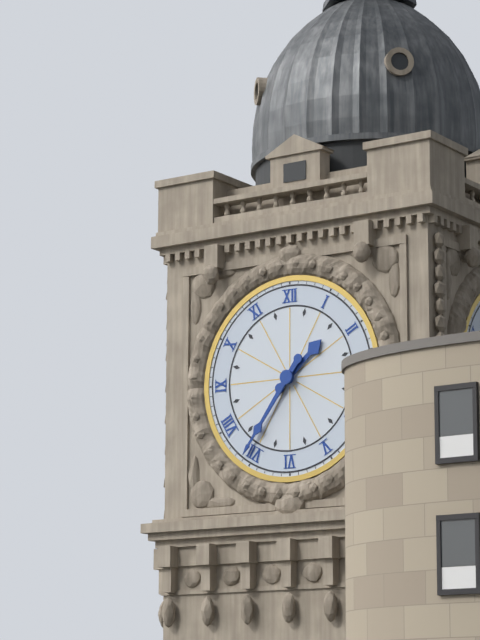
1.36
